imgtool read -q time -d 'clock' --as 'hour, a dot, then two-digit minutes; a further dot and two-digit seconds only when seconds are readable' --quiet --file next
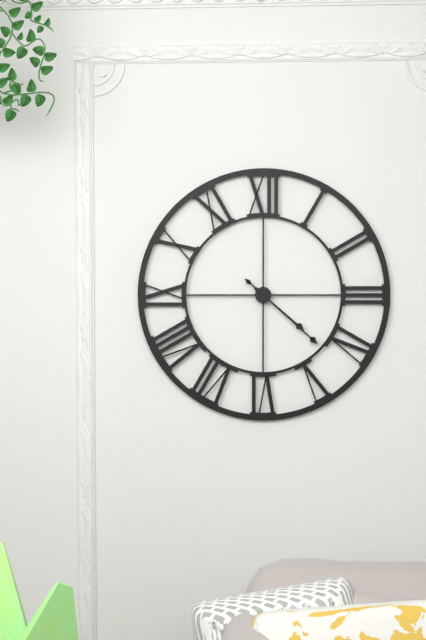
4.22
